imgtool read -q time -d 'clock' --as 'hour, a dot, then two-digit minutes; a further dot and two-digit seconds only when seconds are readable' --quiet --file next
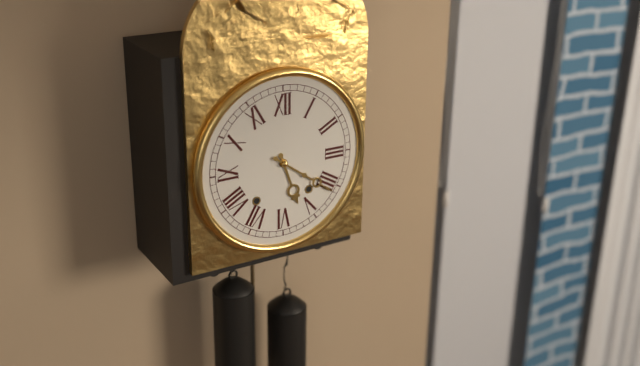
5.21
